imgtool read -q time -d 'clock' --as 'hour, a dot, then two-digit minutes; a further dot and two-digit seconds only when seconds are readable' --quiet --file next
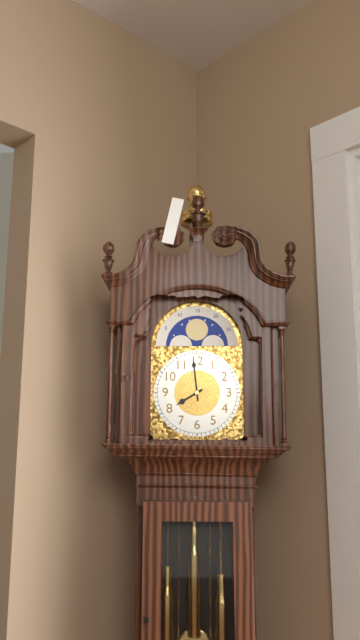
7.59
